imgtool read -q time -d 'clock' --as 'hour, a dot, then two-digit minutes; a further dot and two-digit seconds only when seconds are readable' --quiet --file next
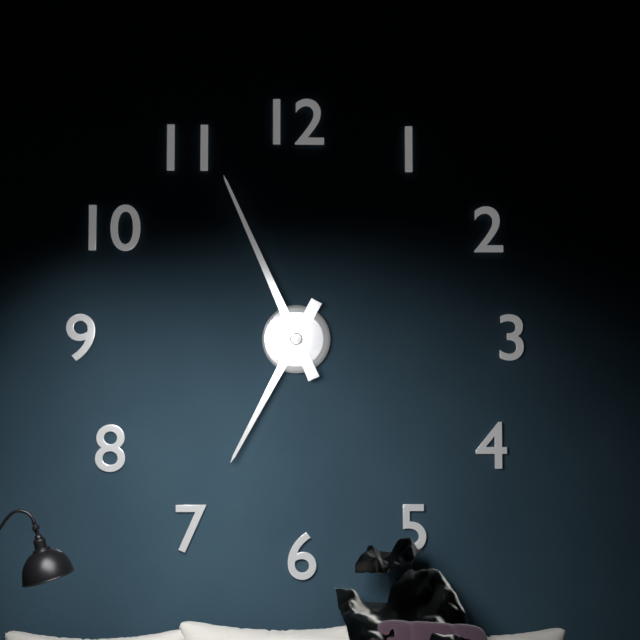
6.56
